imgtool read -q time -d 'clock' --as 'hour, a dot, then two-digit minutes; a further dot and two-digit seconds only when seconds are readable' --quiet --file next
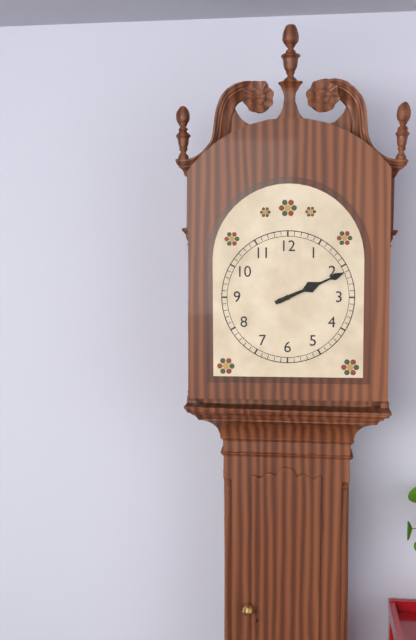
2.11
